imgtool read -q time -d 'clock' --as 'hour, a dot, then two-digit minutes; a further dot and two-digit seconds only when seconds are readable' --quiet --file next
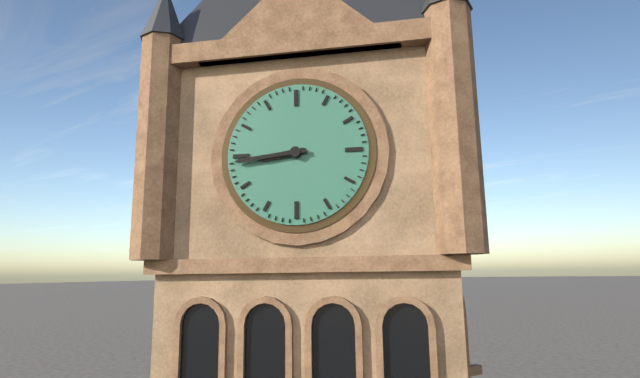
8.44
